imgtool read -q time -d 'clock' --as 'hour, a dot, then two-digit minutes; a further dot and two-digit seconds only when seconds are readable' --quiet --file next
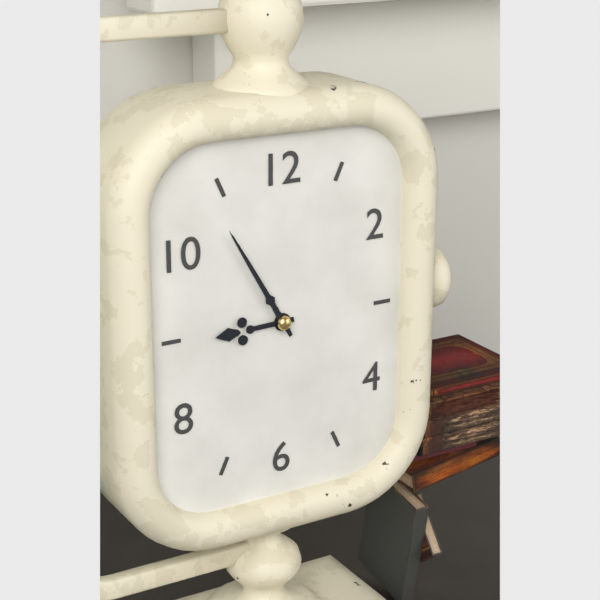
8.55
